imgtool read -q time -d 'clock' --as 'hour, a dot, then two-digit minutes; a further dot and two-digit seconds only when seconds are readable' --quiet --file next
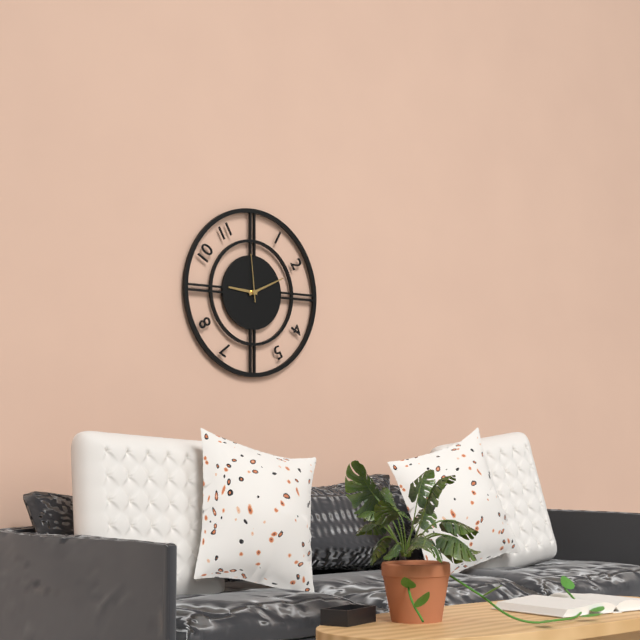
9.11
